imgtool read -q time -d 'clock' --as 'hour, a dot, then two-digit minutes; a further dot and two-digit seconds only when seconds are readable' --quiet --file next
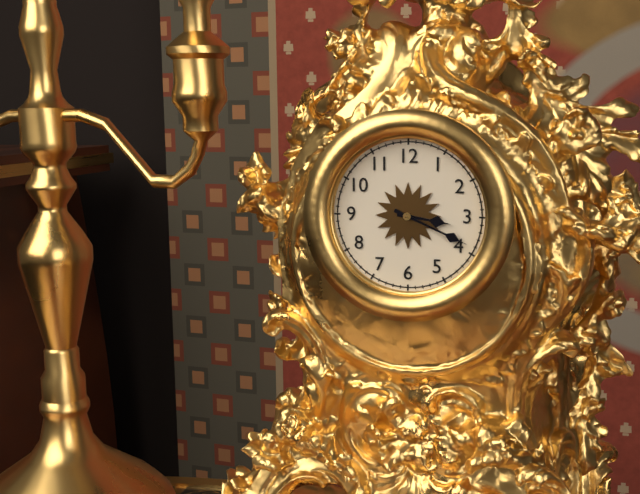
3.19
